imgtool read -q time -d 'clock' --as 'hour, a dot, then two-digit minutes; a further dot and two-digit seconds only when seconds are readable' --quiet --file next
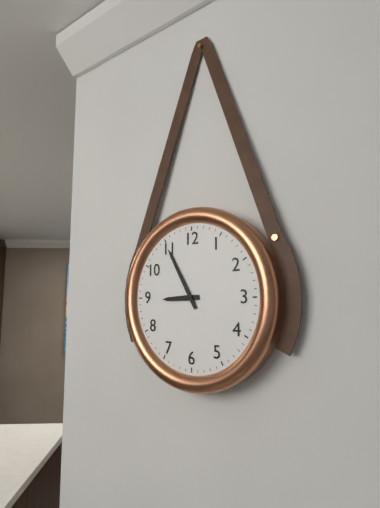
8.55
